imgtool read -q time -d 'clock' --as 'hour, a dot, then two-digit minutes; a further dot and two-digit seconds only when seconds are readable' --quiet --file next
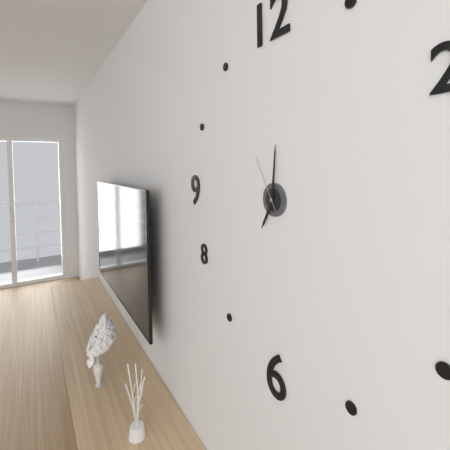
7.01.55
